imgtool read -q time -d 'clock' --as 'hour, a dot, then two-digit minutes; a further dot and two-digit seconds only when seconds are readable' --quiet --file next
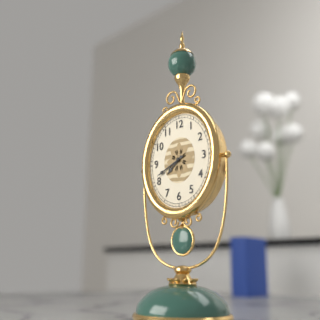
7.41
